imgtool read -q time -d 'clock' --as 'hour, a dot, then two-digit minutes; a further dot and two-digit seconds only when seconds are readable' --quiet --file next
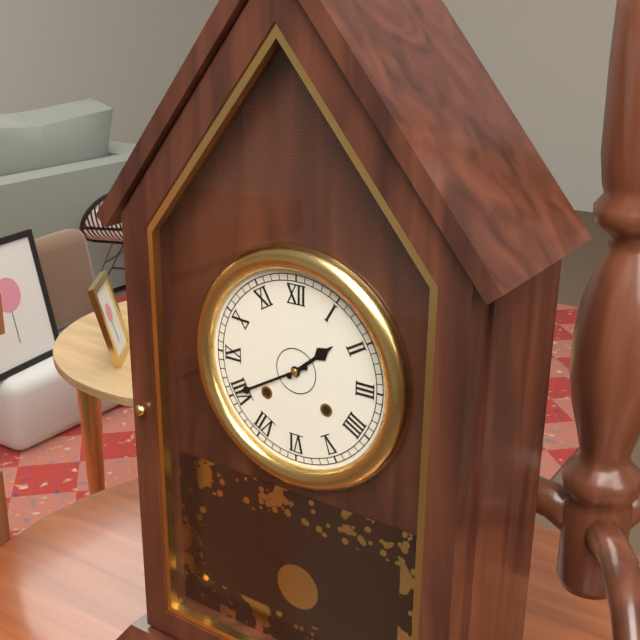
1.40
